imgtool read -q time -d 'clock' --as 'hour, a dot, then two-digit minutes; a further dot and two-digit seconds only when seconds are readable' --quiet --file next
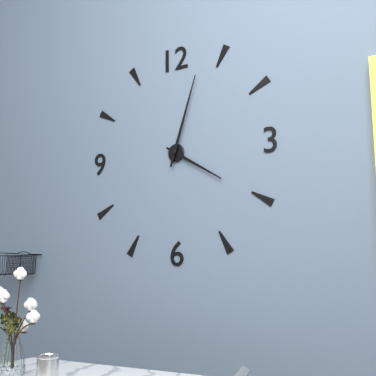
4.03
